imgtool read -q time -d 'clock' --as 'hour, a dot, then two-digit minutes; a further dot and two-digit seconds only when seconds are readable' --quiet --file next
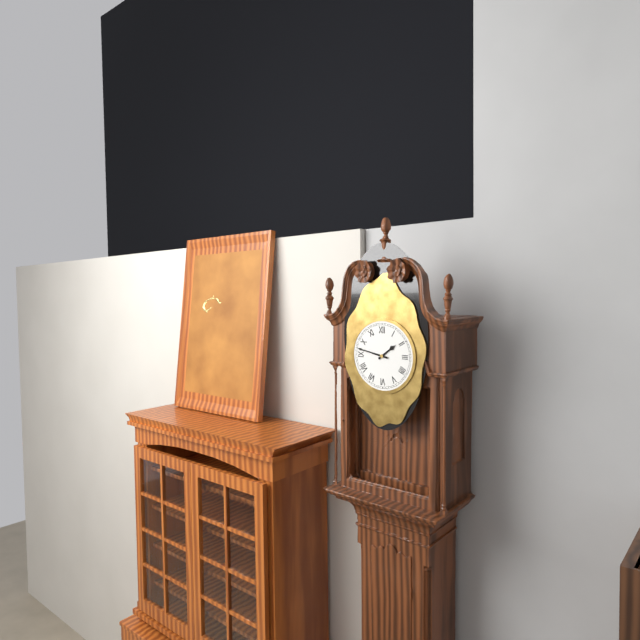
1.47
